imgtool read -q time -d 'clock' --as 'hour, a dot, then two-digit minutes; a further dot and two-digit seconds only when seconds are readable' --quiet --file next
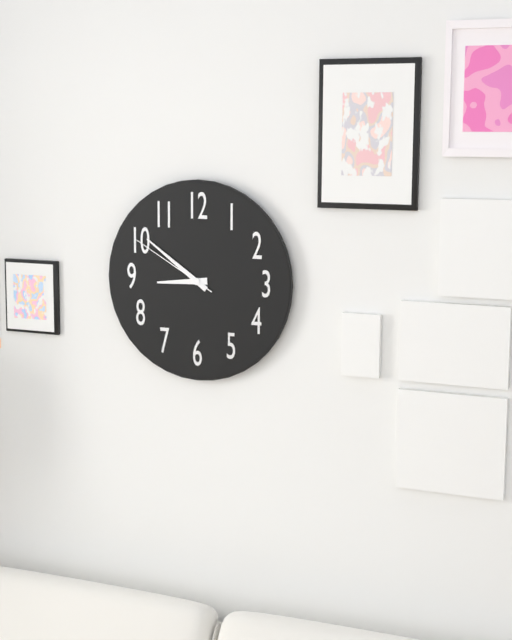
8.51.50
